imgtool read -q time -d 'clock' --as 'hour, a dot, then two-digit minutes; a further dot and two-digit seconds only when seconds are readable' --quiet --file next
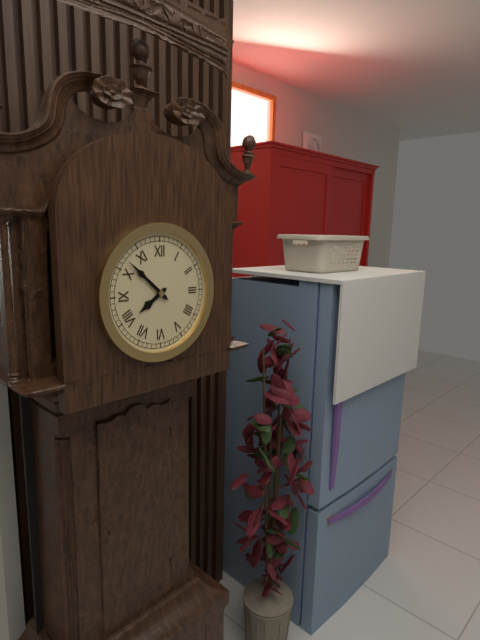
7.52
